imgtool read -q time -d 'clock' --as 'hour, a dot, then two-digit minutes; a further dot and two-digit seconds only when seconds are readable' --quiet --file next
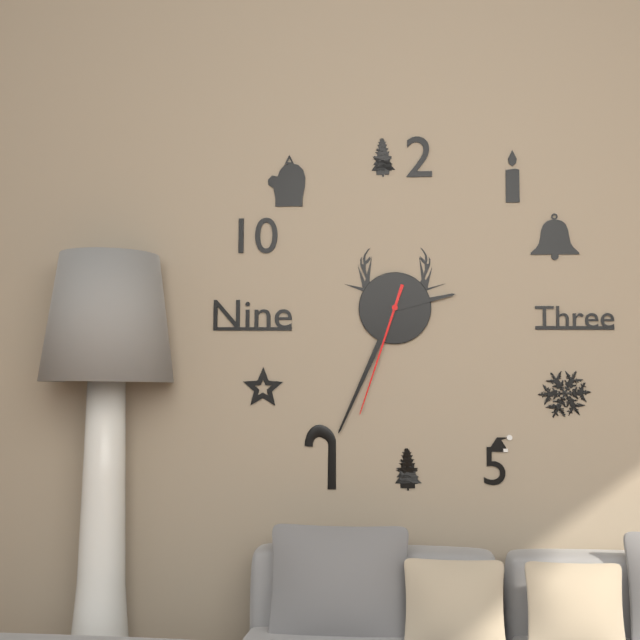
2.34.33
